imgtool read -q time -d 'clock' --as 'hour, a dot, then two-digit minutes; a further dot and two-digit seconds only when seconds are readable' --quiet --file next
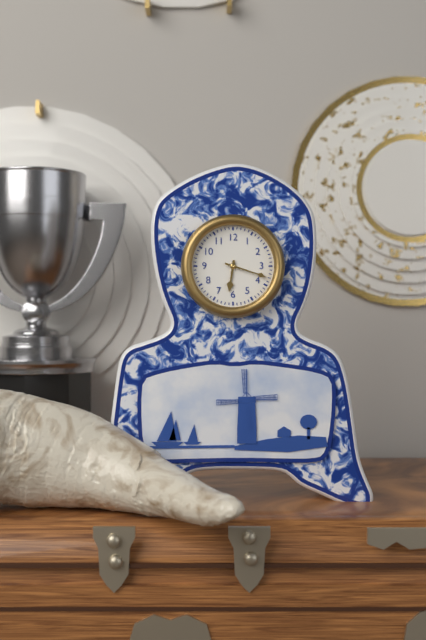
6.18
